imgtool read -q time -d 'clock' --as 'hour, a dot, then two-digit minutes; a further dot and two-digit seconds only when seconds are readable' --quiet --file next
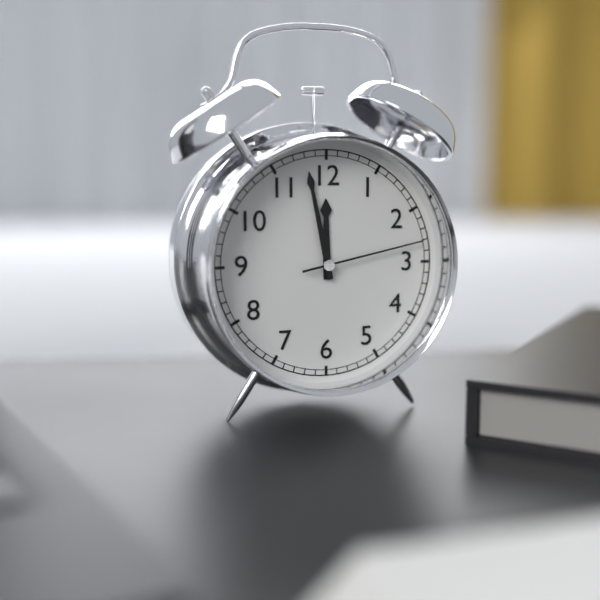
11.58.13
